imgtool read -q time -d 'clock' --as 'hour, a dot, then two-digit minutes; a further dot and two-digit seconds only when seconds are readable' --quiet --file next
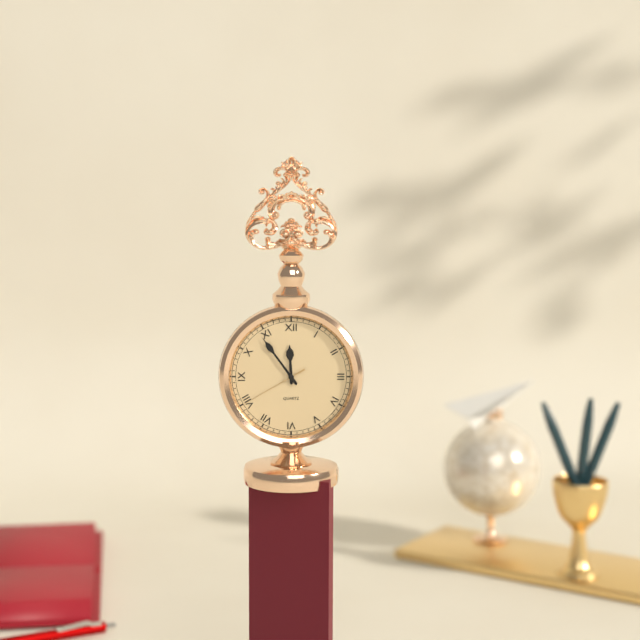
11.54.40
